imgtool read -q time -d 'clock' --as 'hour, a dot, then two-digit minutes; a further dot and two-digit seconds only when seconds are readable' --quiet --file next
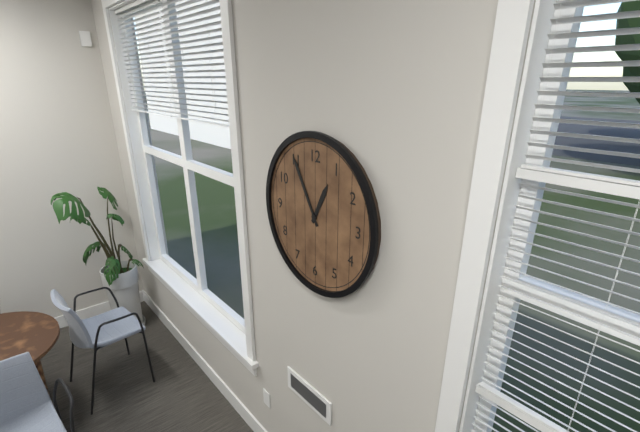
12.55
